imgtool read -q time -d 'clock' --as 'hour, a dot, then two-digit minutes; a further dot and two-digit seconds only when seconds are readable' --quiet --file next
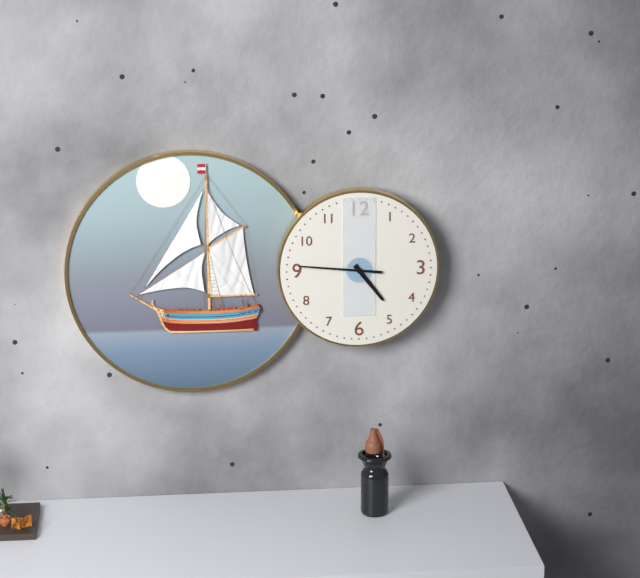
4.46
